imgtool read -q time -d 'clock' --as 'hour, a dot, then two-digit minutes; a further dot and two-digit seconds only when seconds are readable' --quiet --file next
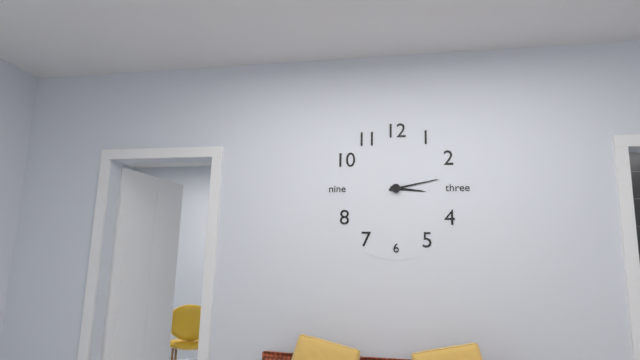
3.13
